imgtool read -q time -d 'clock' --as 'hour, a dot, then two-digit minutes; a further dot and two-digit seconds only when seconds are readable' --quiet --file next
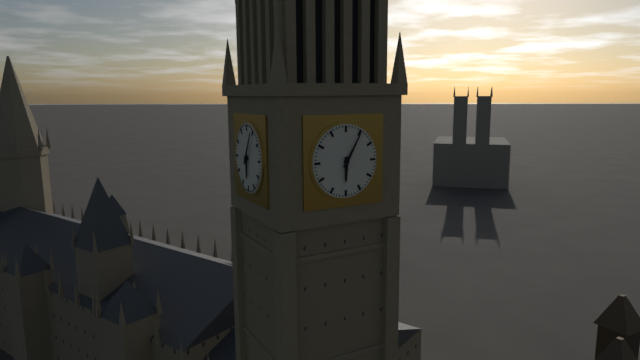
6.05
